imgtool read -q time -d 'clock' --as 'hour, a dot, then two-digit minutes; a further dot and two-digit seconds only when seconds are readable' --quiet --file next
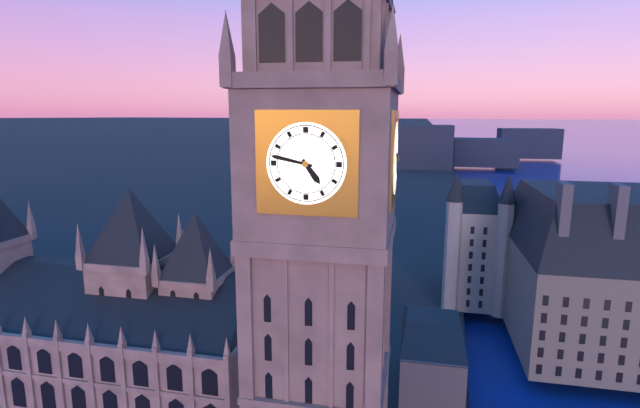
4.47
